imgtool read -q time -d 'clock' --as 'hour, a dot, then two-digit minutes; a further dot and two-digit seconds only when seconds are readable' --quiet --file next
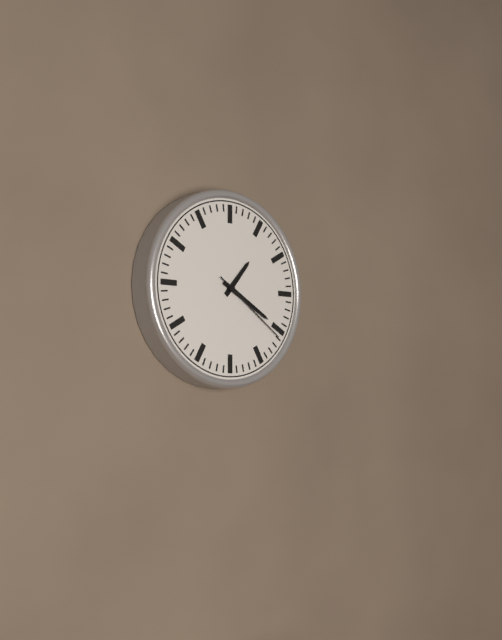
1.20.21
